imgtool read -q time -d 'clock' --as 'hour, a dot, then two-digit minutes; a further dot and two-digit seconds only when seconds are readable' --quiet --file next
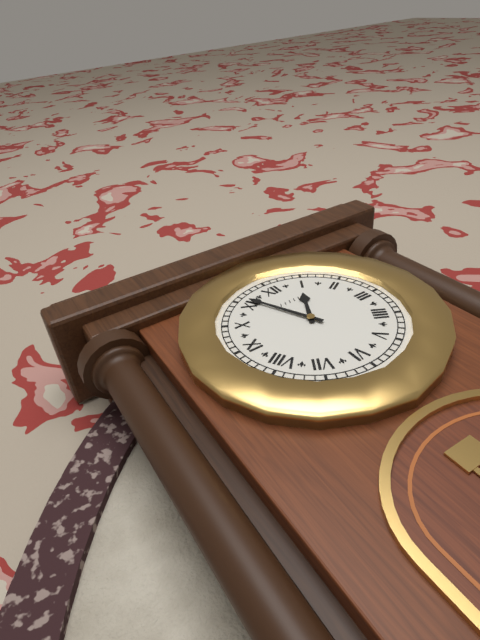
12.56
